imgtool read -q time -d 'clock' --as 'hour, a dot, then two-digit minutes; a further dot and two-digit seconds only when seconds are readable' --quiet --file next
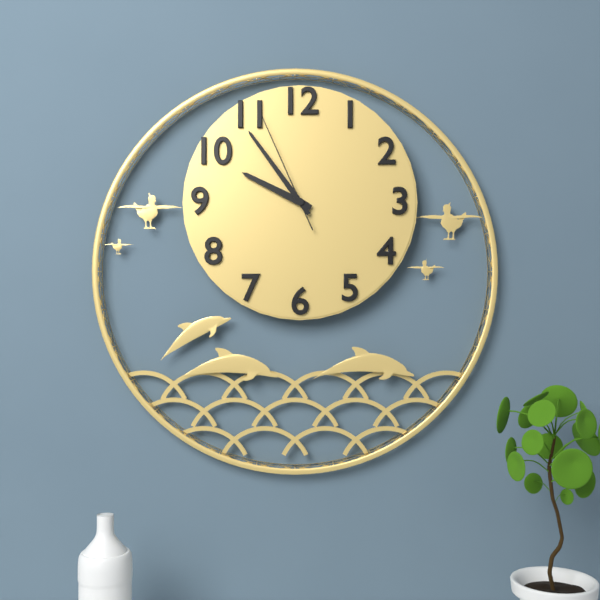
9.54.56
